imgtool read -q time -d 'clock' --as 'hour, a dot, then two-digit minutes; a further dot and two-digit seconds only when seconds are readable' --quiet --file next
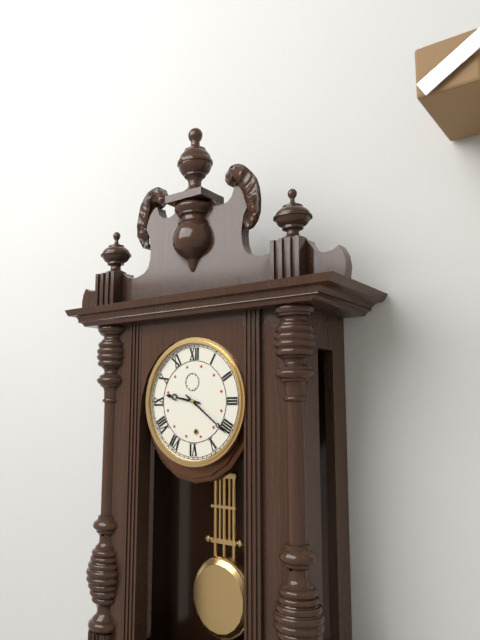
9.21
